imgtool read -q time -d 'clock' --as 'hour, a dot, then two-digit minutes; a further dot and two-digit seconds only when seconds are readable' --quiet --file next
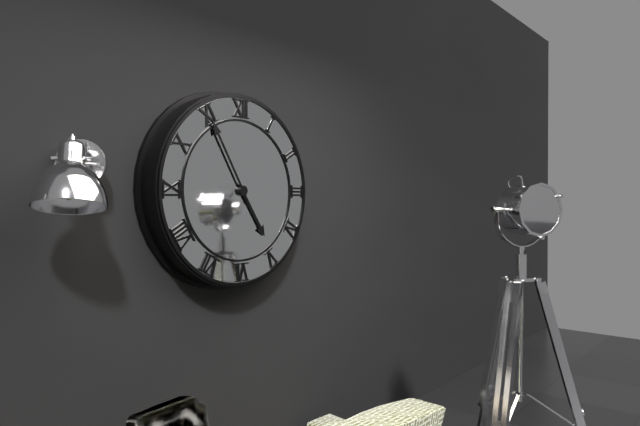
4.55
